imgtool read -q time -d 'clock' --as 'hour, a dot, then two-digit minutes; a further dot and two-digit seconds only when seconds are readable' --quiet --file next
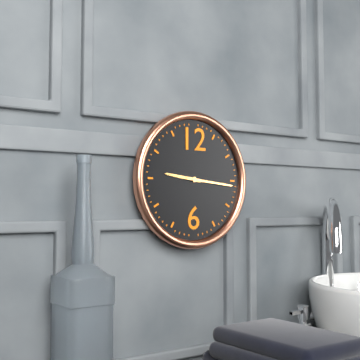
9.16
